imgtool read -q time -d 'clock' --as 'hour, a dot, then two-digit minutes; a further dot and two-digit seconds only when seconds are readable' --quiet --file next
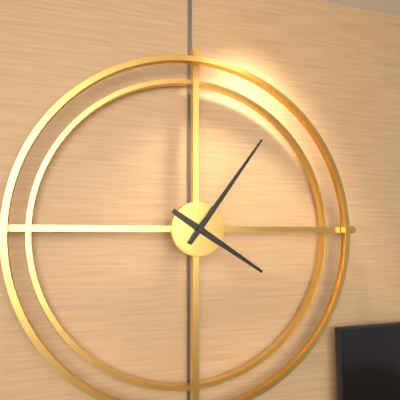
4.06
